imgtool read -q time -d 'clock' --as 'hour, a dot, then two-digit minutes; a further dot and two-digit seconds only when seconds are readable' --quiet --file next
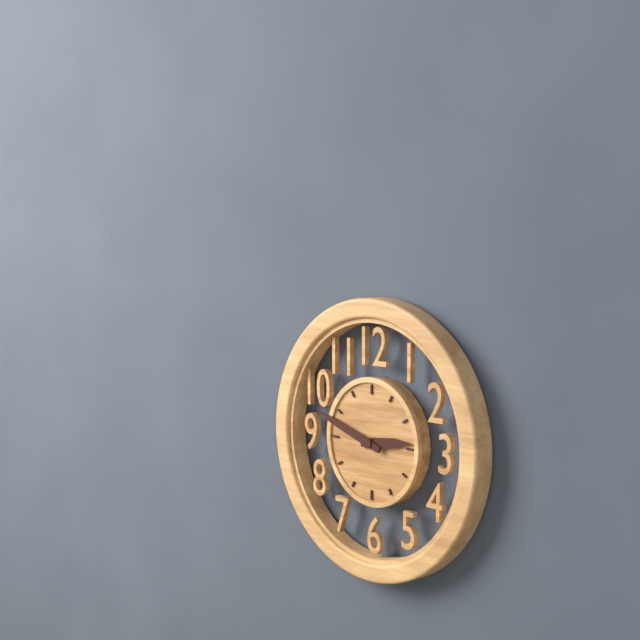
2.48
